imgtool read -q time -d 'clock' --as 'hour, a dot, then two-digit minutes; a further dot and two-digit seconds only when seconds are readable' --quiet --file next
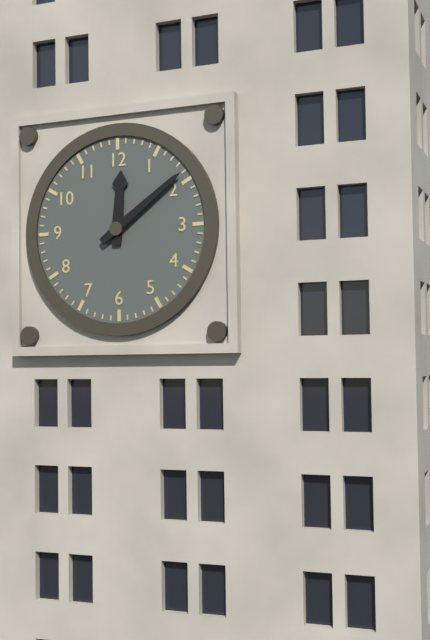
12.09
